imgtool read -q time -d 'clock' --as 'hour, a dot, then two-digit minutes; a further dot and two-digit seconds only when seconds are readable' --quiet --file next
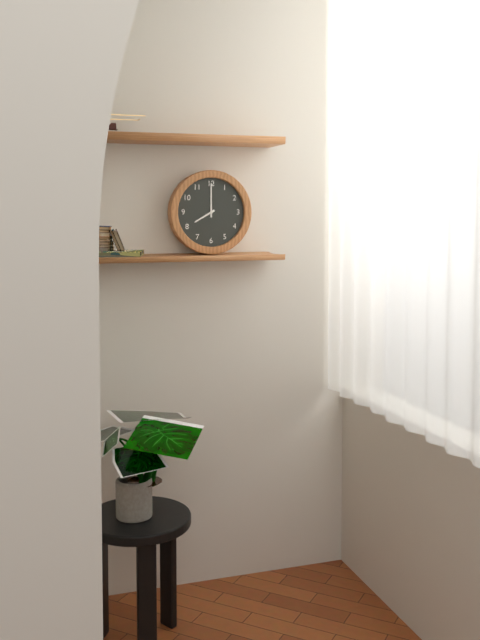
8.00
